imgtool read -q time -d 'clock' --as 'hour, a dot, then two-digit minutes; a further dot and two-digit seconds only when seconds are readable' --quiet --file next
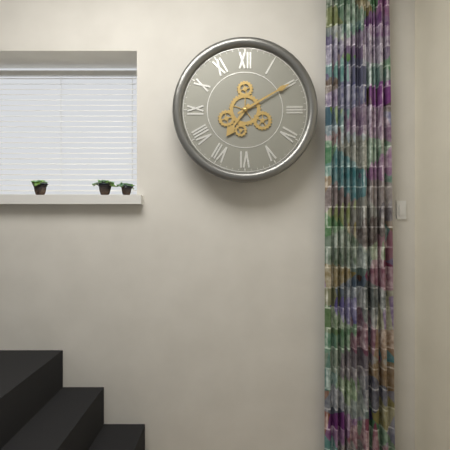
7.10
